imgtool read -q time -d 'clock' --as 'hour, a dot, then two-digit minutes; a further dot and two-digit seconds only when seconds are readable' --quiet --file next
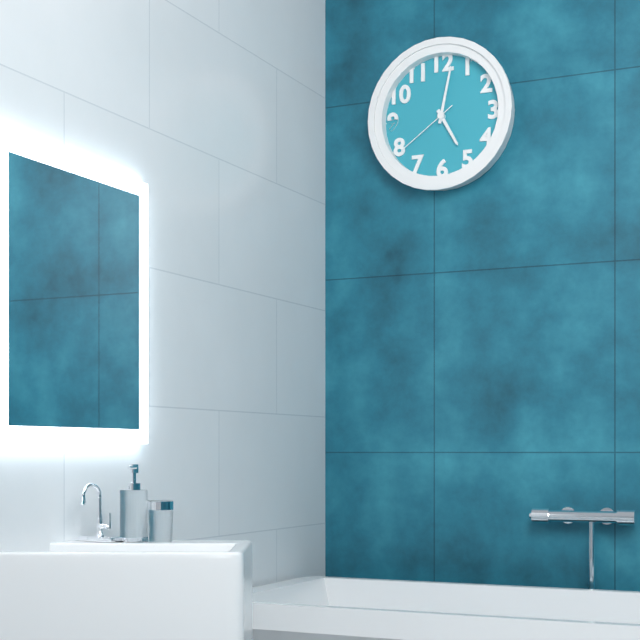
5.02.39
